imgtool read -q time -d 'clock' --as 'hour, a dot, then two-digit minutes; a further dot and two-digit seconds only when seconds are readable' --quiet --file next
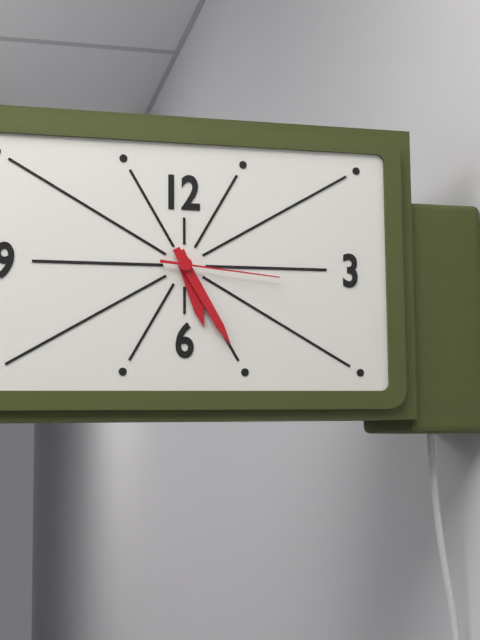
5.25.16
